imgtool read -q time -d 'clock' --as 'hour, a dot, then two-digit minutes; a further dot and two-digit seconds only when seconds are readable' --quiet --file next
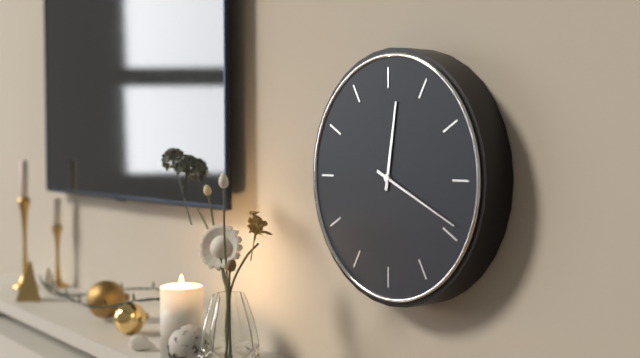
12.19
